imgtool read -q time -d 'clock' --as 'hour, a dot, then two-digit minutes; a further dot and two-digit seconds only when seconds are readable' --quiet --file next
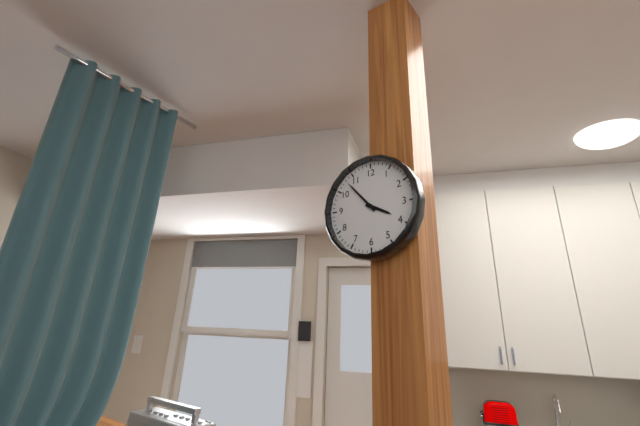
3.53
